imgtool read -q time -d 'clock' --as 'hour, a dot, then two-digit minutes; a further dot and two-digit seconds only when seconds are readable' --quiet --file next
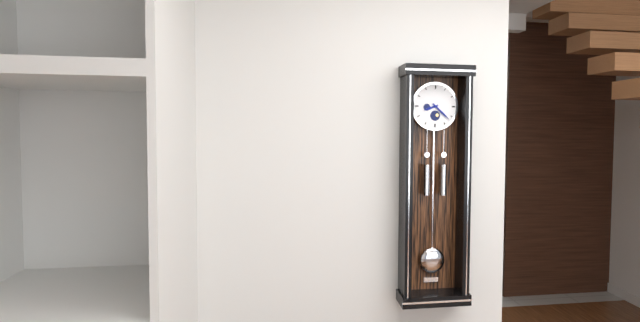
8.22
